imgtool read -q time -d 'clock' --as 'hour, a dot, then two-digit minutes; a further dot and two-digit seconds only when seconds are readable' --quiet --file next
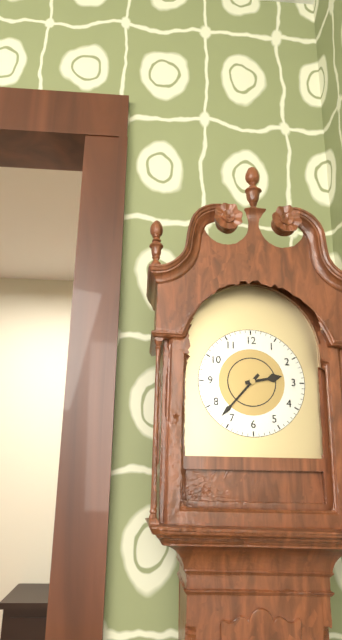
2.37
